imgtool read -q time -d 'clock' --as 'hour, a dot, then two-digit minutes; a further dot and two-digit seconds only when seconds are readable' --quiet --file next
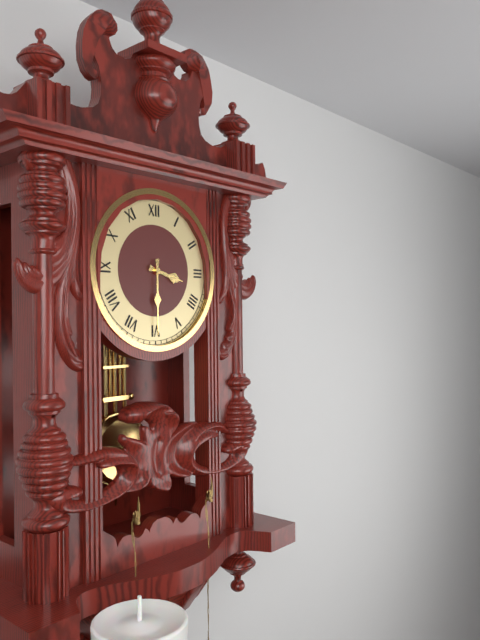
3.30
